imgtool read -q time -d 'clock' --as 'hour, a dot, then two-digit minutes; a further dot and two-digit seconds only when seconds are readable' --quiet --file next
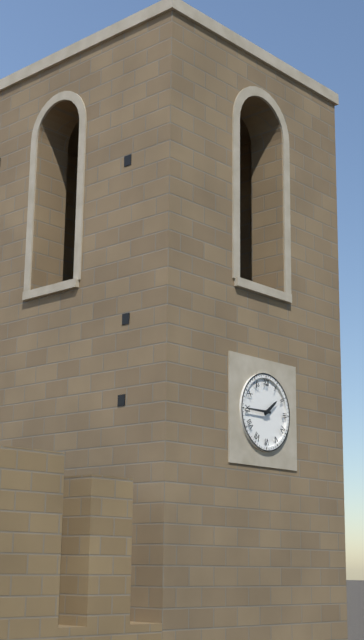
1.45
